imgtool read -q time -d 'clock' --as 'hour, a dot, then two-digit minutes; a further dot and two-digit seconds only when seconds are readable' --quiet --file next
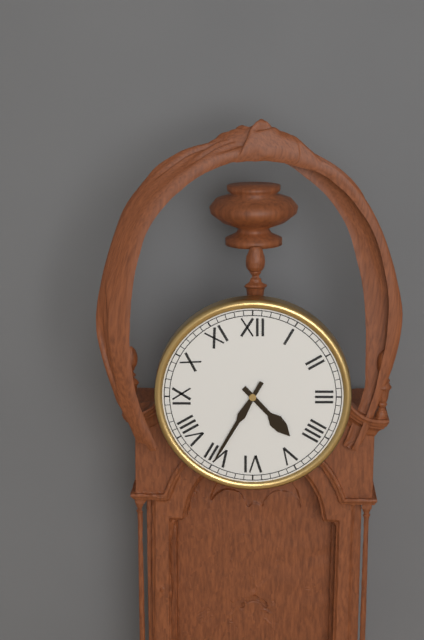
4.35
